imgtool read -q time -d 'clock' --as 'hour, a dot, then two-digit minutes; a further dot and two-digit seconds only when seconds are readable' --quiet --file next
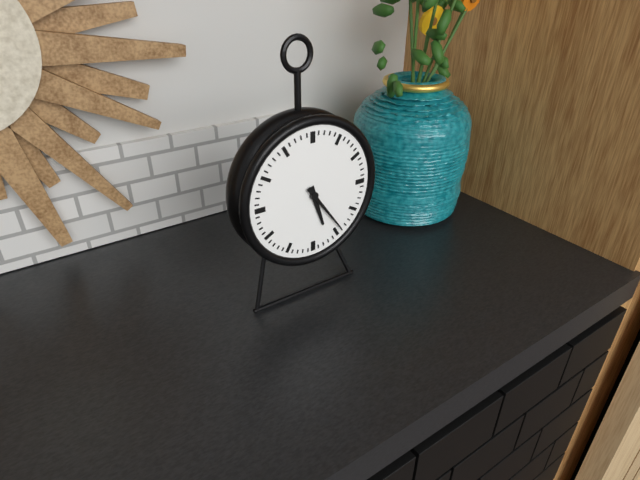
5.24
